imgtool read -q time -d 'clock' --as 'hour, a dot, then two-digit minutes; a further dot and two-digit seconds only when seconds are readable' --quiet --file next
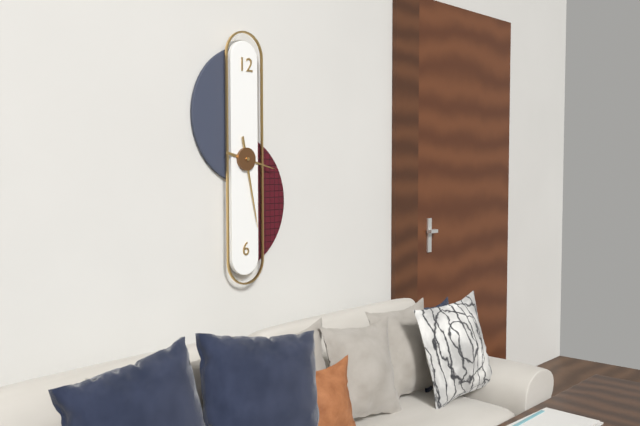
3.28
